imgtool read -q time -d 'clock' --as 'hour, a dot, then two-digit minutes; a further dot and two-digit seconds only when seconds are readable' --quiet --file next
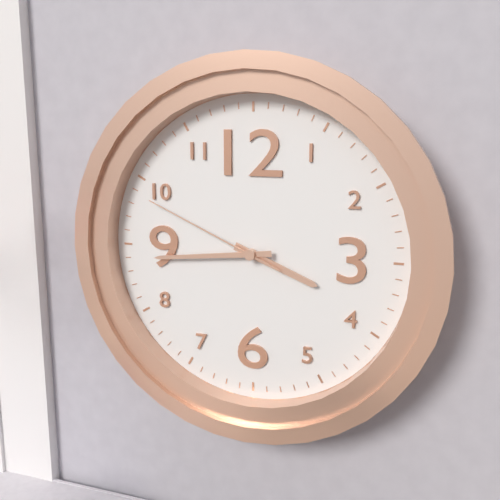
3.44.49
